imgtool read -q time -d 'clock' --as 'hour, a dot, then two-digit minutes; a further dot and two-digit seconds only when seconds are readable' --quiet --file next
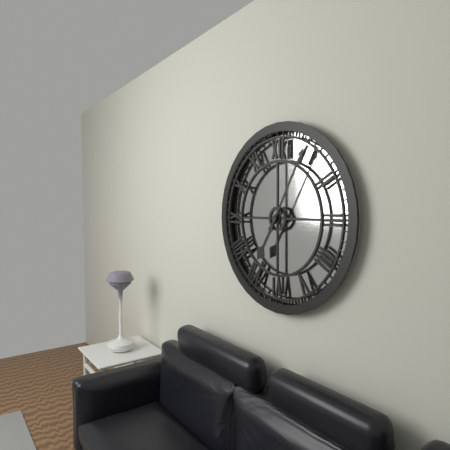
7.05
